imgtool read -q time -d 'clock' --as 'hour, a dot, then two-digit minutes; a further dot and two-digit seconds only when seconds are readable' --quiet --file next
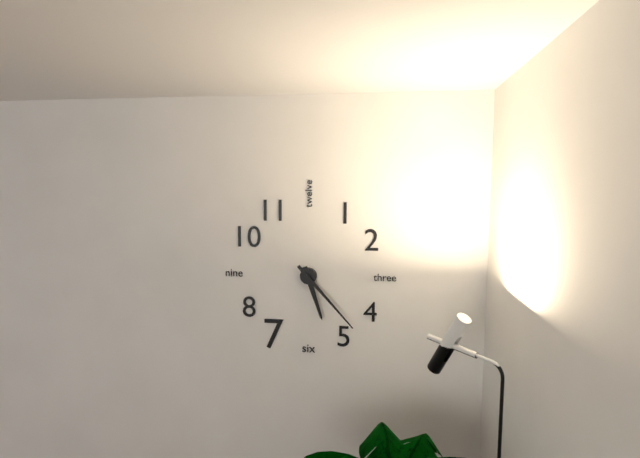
5.23
